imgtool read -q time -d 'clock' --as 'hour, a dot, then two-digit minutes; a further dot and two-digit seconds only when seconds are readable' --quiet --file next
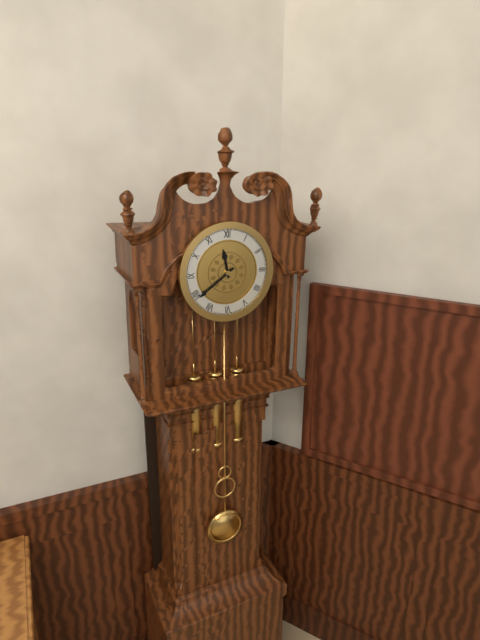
11.39
